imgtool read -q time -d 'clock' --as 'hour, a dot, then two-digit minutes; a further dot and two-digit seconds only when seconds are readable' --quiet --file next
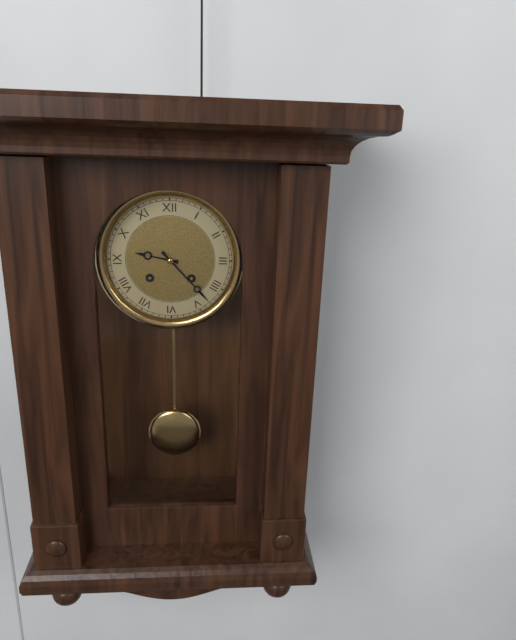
9.23
